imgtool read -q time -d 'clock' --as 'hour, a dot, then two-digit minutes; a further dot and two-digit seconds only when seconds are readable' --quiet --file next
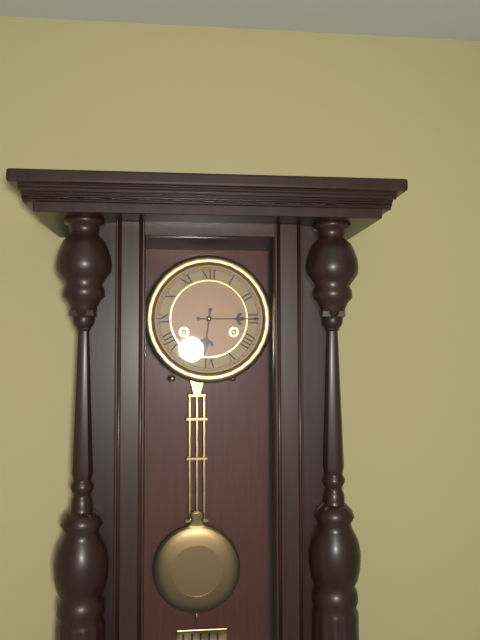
6.15
